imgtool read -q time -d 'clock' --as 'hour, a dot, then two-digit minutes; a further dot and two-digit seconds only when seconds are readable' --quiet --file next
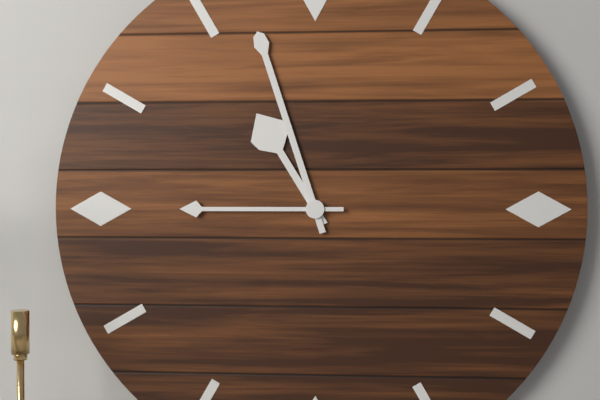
10.57.45
